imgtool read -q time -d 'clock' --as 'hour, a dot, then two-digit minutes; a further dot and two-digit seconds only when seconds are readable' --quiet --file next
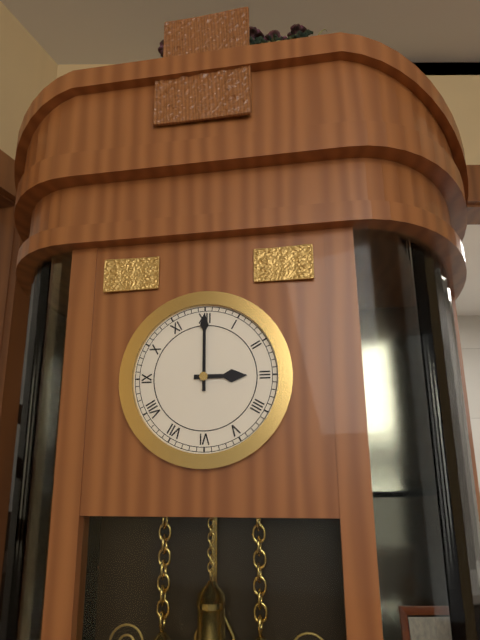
3.00
